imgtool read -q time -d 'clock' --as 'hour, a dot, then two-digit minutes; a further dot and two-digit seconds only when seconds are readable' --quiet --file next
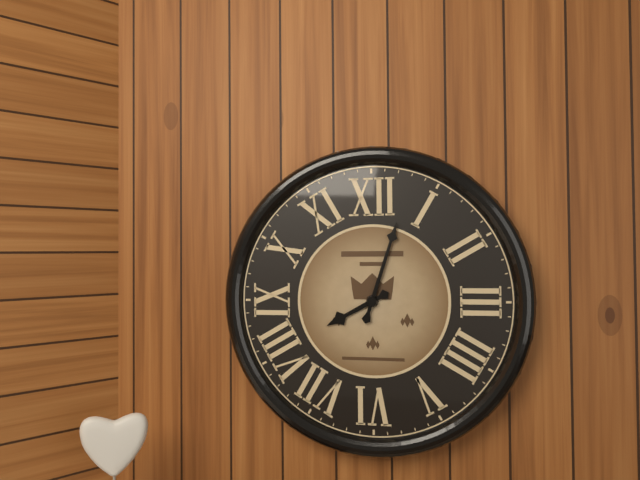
8.03
